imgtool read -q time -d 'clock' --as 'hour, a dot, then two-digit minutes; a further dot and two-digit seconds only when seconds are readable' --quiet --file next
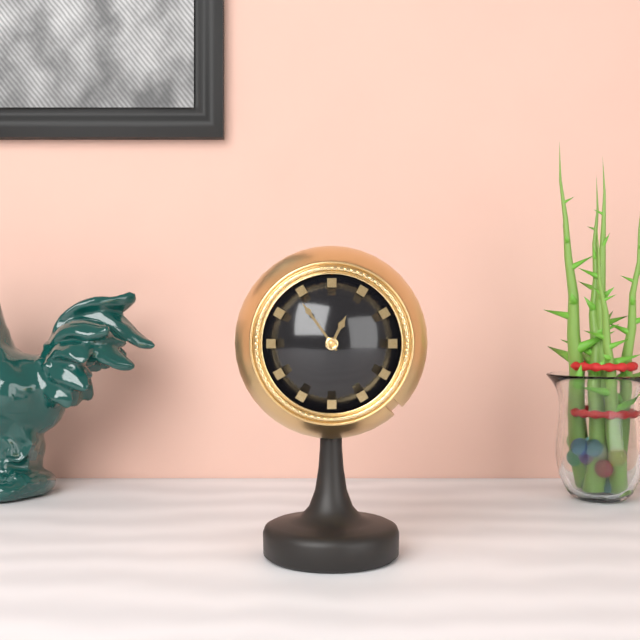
12.54
